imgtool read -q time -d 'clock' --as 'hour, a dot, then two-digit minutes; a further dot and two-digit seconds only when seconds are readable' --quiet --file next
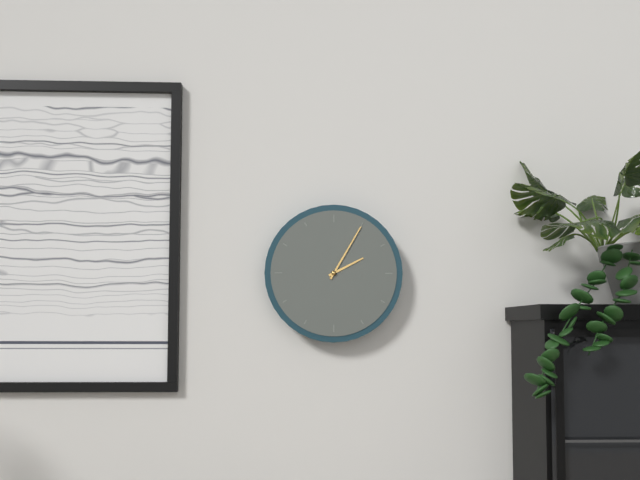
2.05
